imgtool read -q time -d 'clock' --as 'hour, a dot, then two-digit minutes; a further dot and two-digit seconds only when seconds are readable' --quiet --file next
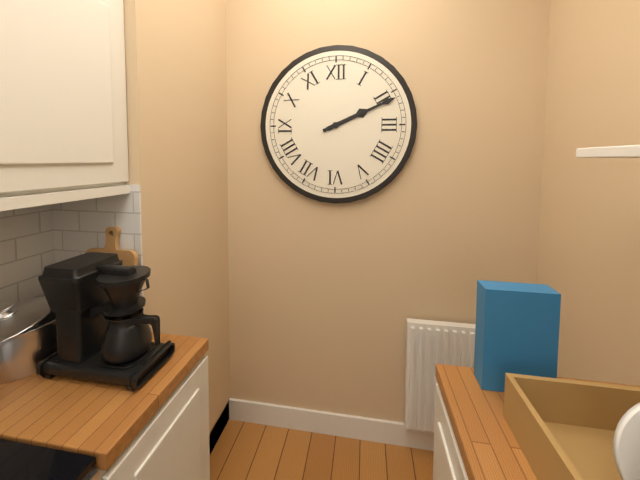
2.11
